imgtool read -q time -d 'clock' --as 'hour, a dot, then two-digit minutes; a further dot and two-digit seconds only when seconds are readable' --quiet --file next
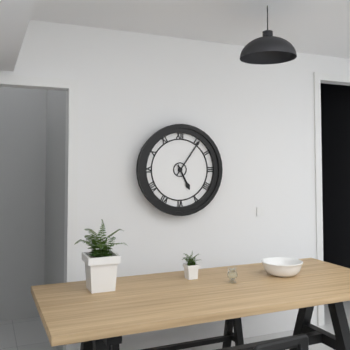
5.06
